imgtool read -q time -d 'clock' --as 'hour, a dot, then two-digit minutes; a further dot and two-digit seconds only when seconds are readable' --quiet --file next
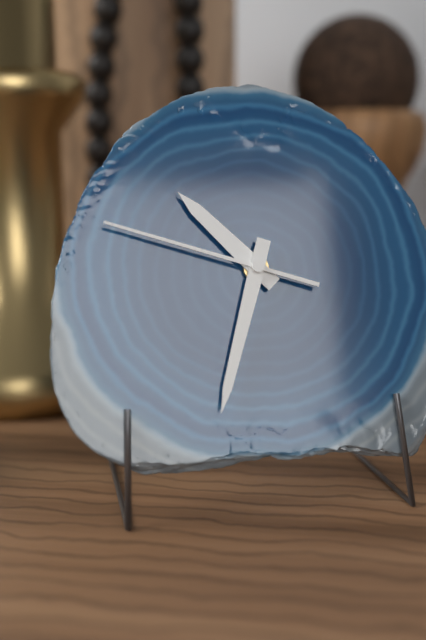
10.33.48
